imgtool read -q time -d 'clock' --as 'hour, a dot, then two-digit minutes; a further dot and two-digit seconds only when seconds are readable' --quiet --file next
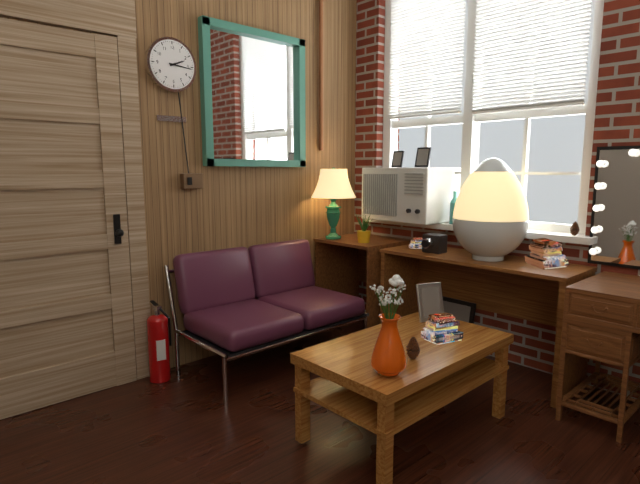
2.16
